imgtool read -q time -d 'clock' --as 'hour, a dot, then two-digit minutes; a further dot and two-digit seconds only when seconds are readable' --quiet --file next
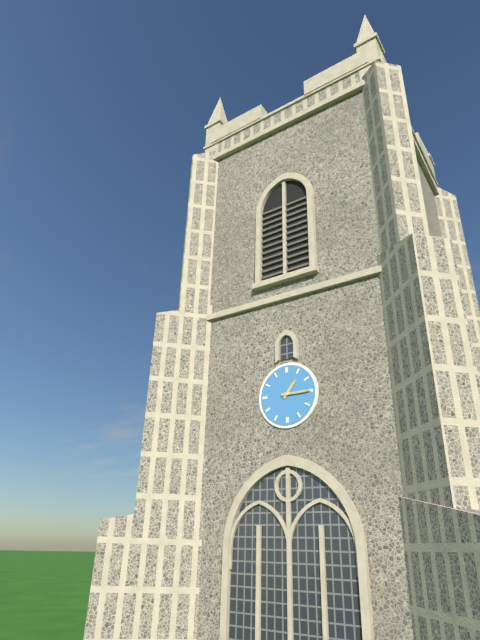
1.15
